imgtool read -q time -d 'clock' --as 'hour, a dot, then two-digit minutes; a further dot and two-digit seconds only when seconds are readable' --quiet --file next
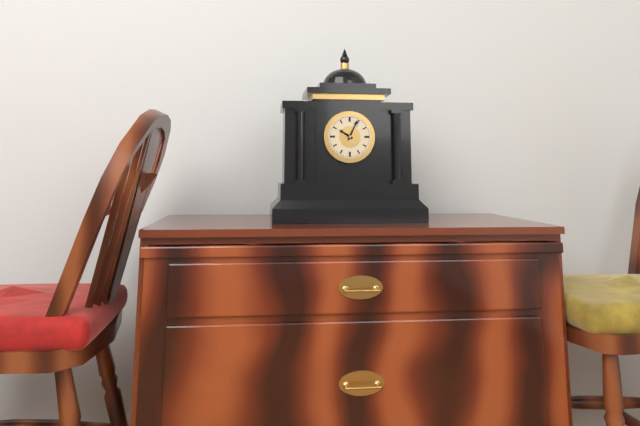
10.04
